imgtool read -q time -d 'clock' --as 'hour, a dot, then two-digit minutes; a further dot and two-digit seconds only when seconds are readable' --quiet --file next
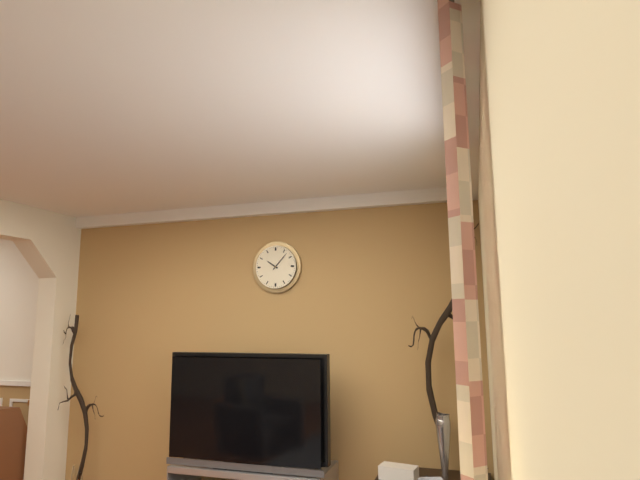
10.07
